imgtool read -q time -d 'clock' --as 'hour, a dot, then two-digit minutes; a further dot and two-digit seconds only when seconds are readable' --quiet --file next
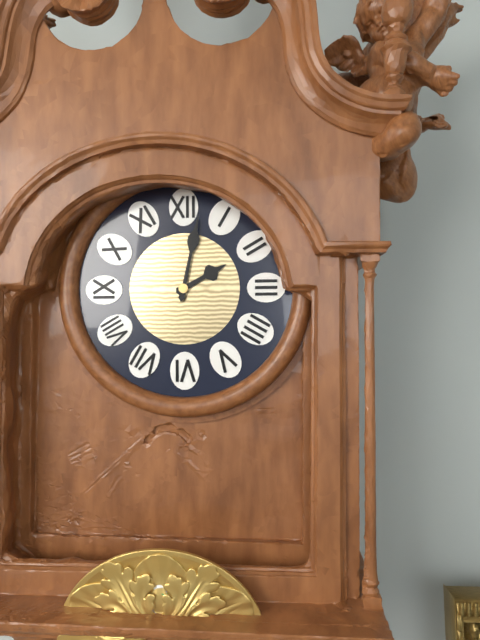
2.02
